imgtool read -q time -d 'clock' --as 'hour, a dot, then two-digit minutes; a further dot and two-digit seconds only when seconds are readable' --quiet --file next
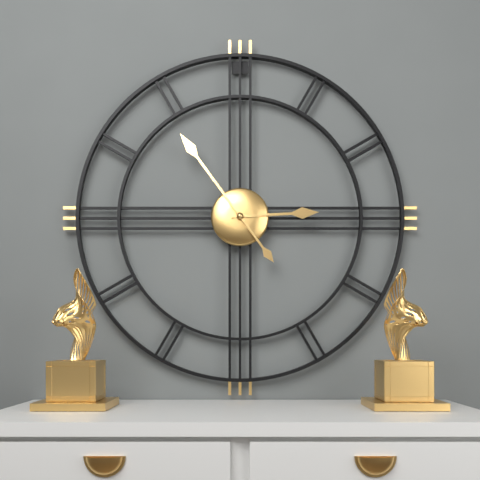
2.54
